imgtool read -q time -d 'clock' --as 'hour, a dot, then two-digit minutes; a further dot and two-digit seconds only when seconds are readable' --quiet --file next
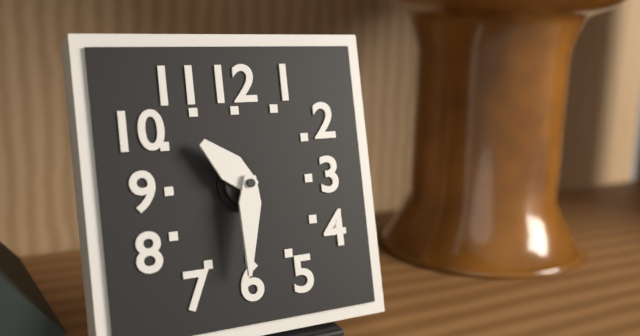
10.31
